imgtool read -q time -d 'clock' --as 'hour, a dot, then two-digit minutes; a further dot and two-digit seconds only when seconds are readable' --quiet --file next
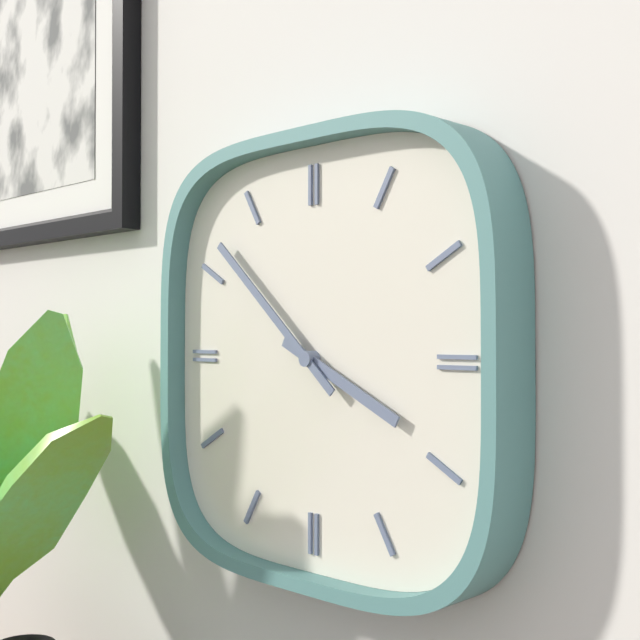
3.52
